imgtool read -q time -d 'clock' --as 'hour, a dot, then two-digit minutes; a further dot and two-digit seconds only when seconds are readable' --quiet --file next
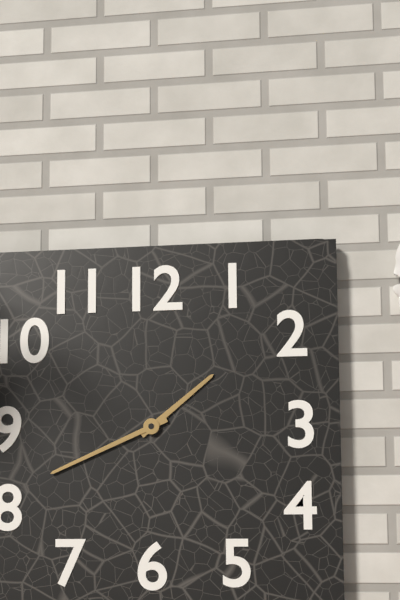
1.41
